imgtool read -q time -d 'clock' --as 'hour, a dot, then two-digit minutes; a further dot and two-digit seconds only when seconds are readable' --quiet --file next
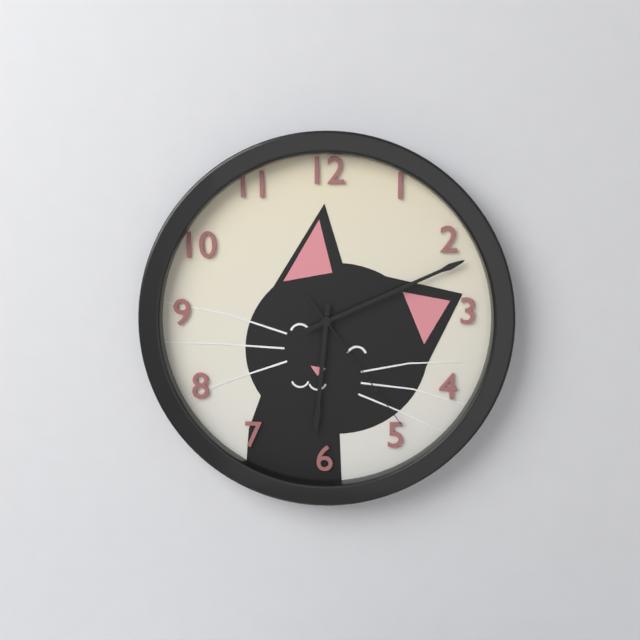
6.11.24
